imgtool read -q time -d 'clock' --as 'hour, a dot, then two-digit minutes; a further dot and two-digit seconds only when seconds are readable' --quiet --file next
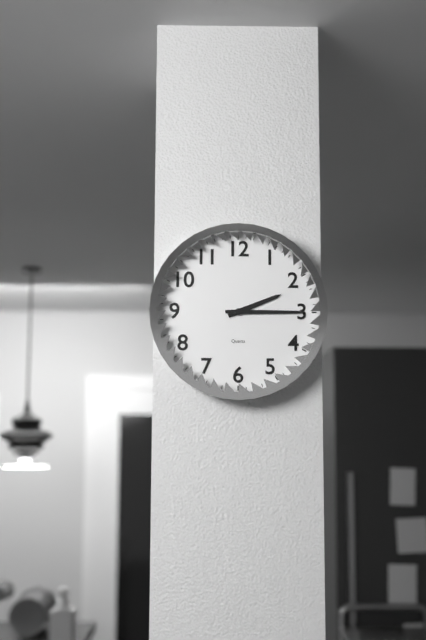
2.15
